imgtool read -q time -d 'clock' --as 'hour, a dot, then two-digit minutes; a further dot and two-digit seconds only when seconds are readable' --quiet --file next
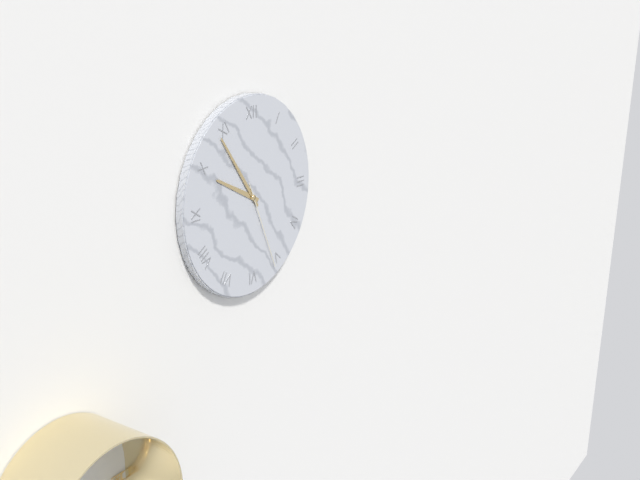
9.54.26
